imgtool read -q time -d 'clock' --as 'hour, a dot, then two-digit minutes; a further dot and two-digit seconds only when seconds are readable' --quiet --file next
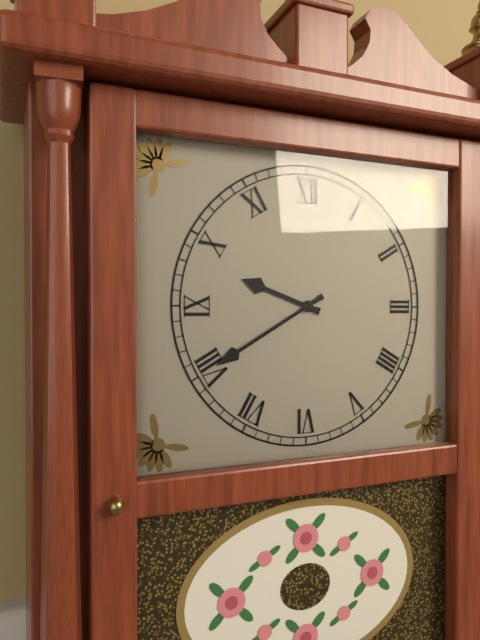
9.40
